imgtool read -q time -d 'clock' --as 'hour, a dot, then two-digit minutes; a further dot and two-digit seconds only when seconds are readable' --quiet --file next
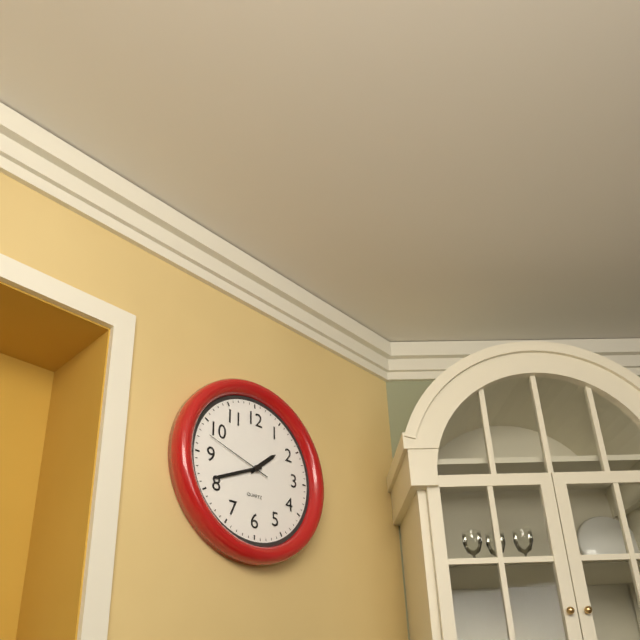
1.41.48
